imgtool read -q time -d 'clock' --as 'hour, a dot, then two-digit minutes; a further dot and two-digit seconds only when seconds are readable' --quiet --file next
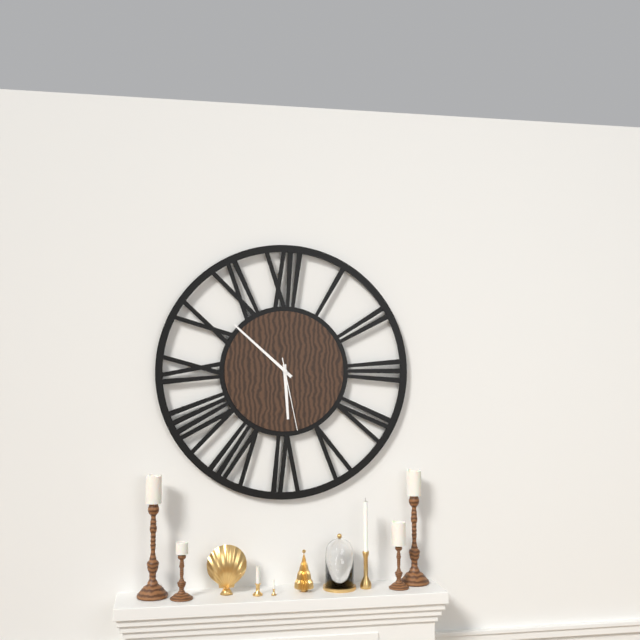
5.52.28
